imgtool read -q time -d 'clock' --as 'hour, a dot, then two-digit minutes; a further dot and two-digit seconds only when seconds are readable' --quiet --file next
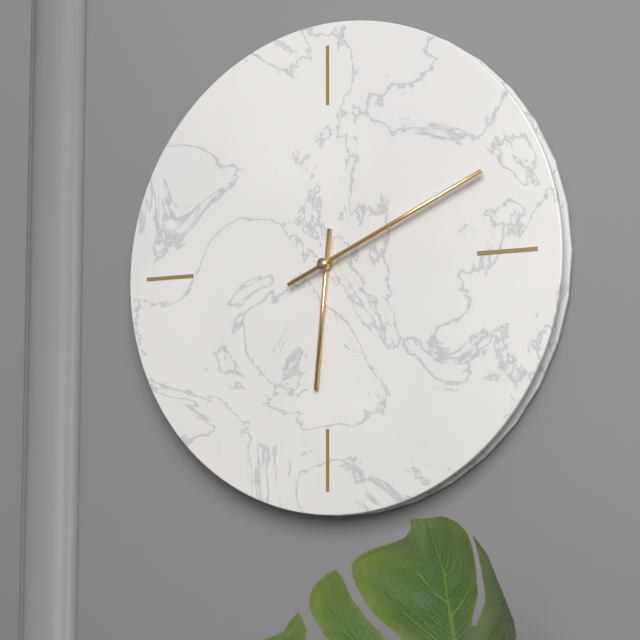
6.11
